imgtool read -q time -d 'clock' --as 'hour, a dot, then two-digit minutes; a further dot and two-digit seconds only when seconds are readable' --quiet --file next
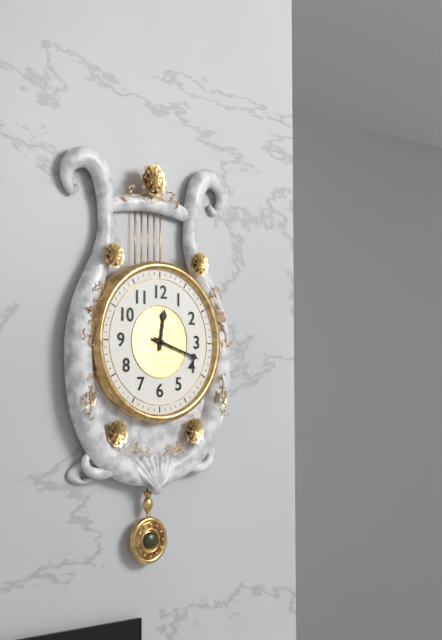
12.18
